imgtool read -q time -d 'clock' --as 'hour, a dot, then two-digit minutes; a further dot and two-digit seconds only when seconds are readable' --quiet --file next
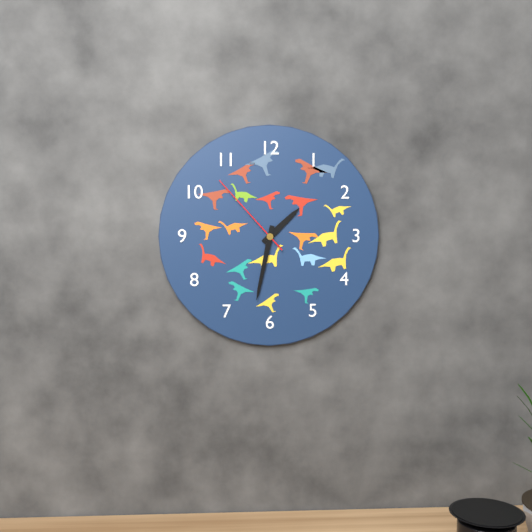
1.32.53
